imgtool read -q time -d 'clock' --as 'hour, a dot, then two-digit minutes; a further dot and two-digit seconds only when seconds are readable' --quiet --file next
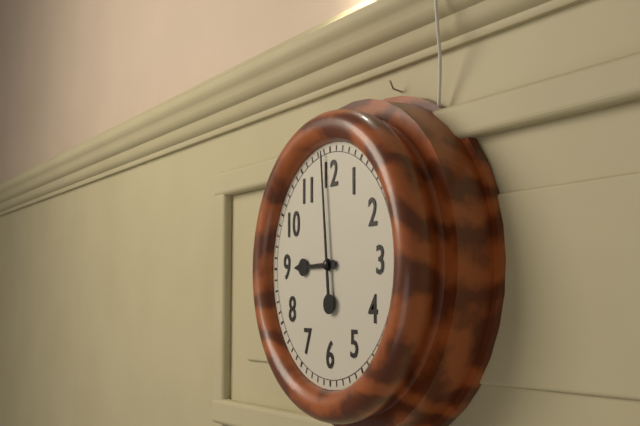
8.59
